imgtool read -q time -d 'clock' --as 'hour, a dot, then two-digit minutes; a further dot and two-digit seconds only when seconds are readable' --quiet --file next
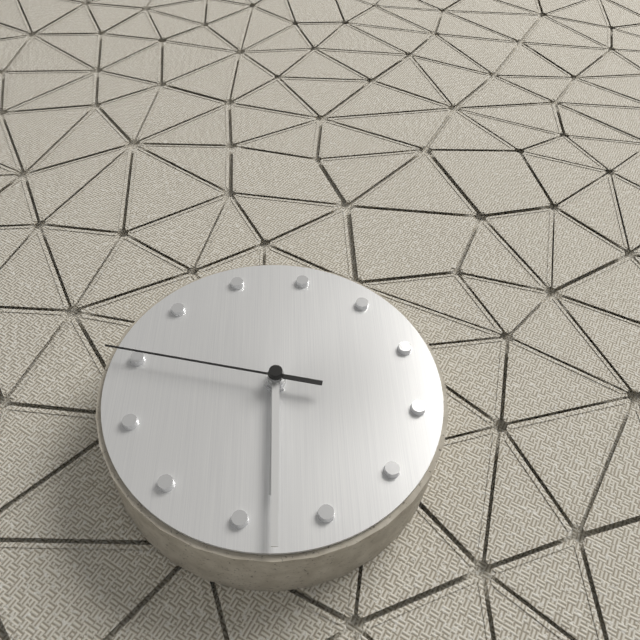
7.38.55
